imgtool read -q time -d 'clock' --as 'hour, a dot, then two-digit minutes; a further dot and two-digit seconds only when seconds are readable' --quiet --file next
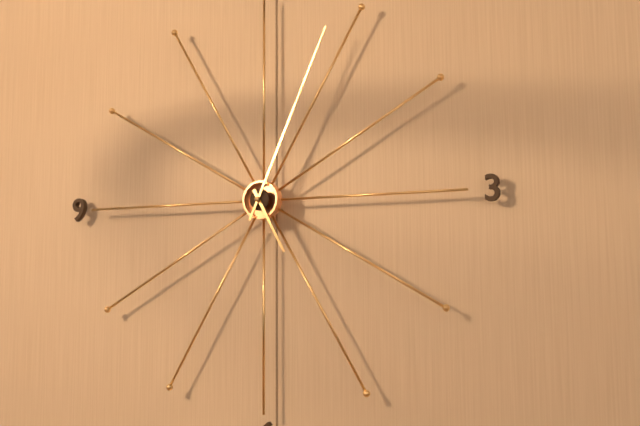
5.04
